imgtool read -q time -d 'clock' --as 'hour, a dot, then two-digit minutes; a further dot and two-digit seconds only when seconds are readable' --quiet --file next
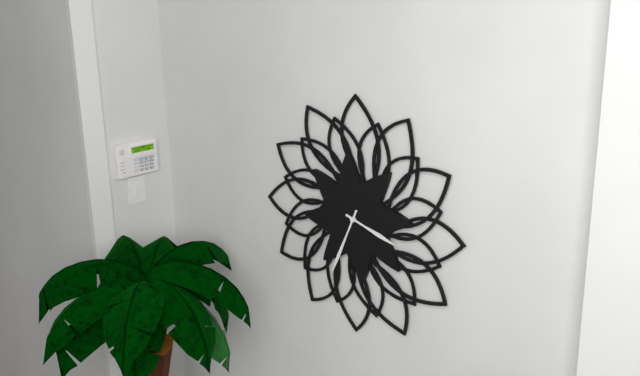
3.34
